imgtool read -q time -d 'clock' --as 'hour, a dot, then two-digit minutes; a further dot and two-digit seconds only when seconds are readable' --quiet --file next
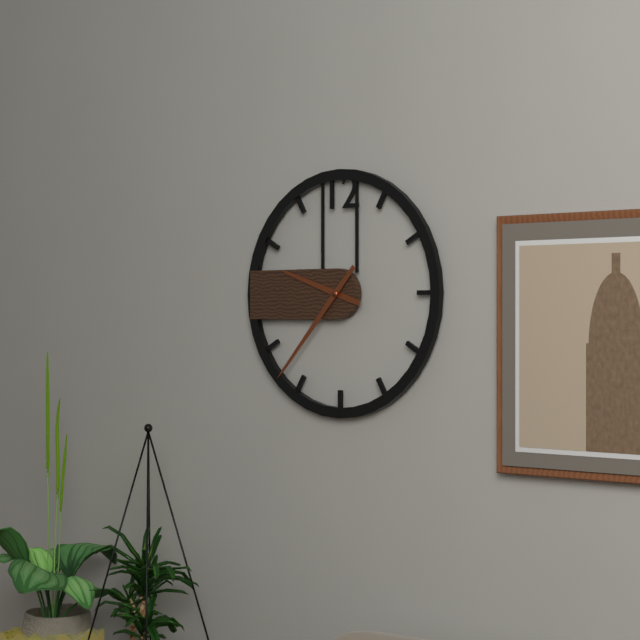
9.37
